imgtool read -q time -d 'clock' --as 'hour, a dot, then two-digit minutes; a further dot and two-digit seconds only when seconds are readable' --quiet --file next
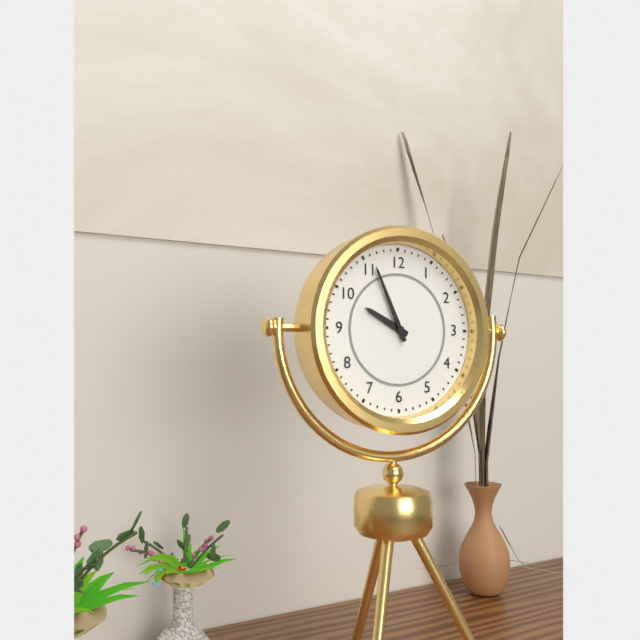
9.56
